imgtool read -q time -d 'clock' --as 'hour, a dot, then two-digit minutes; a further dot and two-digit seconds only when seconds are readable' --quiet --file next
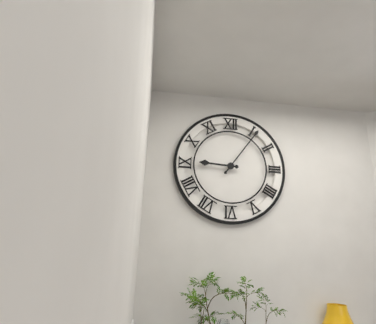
9.06
